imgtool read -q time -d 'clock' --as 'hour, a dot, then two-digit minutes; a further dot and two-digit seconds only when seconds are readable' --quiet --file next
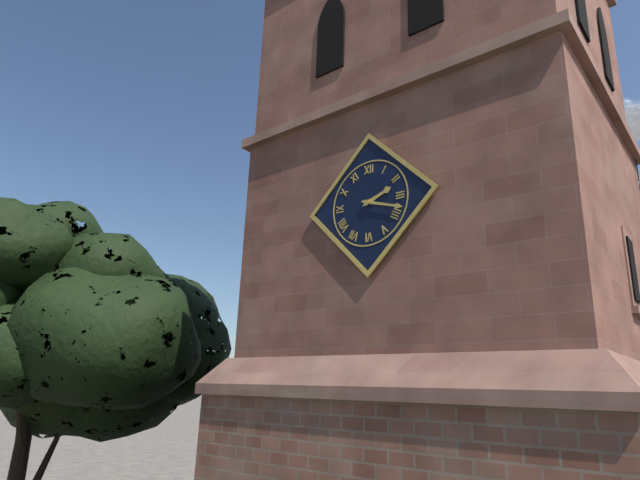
2.18
